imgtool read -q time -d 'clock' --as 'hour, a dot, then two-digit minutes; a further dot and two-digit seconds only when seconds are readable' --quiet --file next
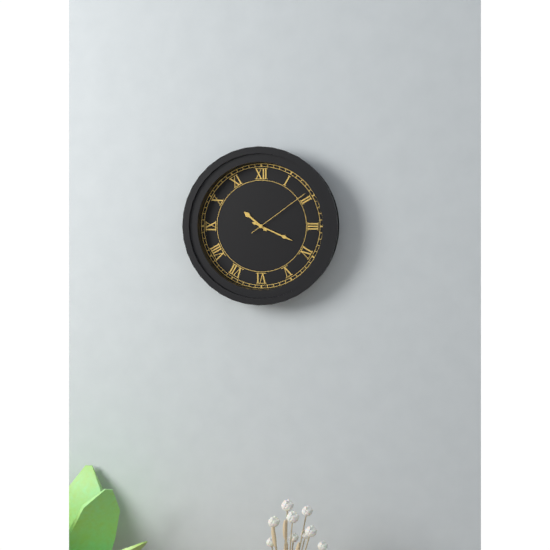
10.19.09
